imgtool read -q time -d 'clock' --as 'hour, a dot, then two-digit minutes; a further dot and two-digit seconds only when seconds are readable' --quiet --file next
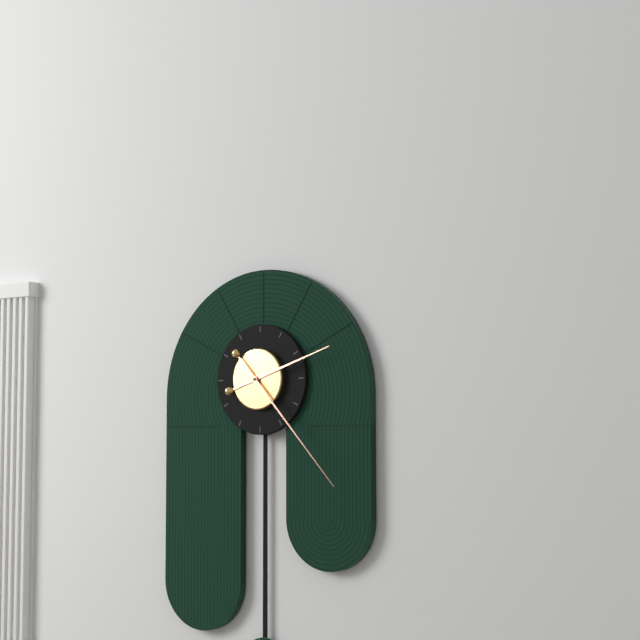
2.23
